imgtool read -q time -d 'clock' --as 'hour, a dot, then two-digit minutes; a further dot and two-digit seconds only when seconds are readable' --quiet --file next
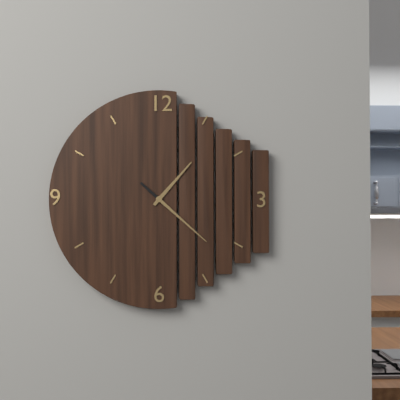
1.22
